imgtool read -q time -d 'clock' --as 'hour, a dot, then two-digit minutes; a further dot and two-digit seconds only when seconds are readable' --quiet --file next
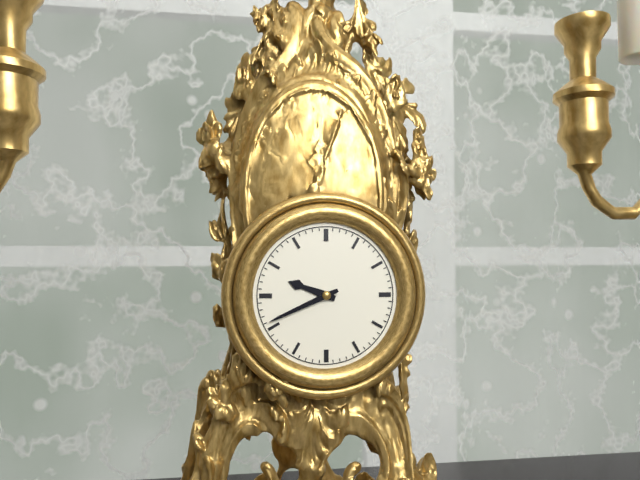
9.41
